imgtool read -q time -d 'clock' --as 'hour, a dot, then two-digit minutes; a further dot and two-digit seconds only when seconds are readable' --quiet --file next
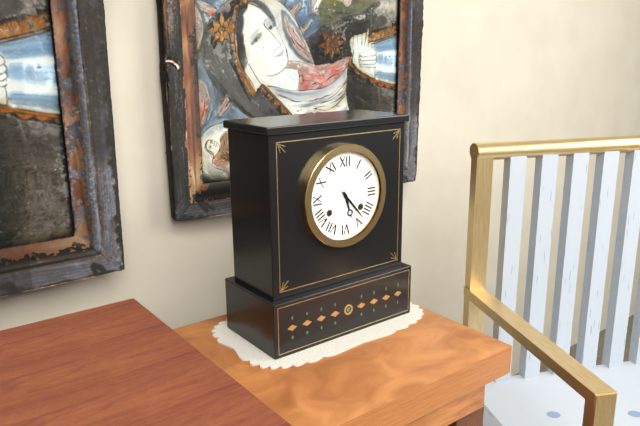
5.23
